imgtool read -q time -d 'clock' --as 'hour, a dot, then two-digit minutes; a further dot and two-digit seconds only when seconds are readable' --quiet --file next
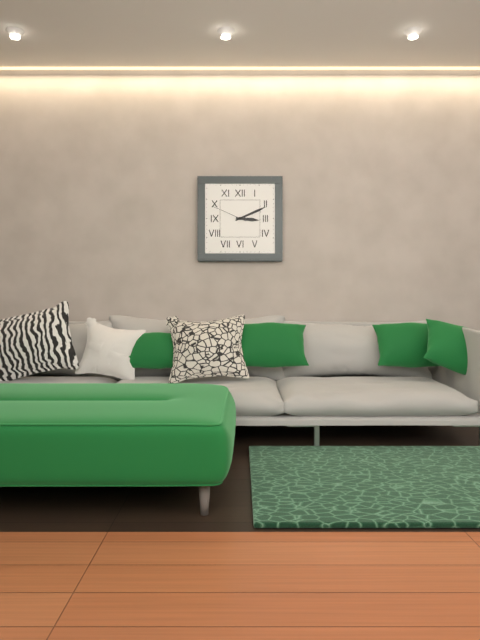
3.11
